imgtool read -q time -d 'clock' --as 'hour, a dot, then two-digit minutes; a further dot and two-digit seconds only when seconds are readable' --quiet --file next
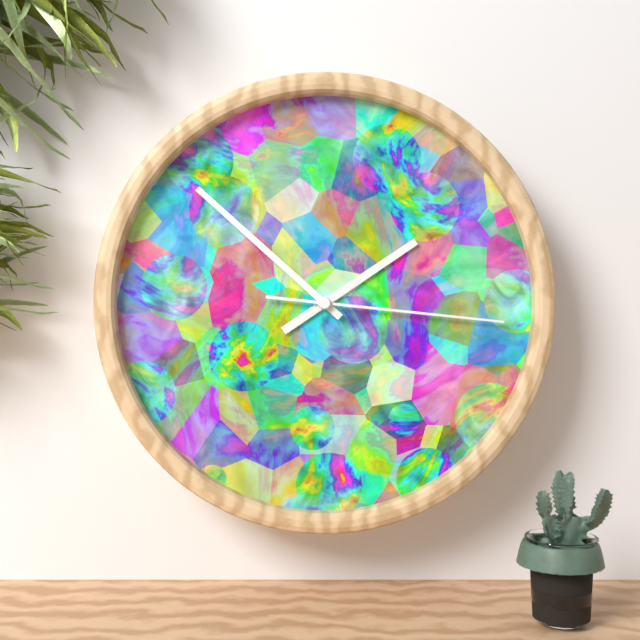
1.52.16
